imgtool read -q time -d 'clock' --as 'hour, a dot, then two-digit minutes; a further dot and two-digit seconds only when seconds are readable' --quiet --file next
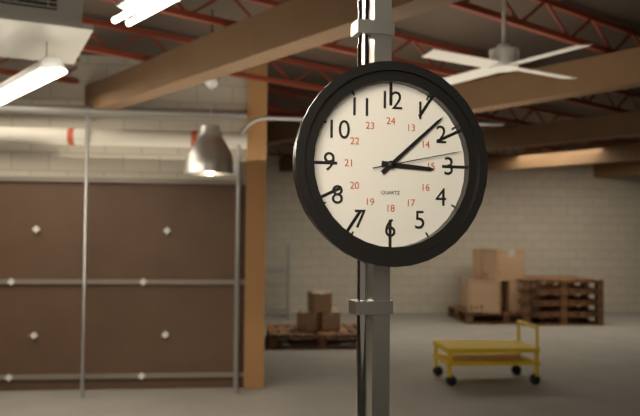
3.08.13
